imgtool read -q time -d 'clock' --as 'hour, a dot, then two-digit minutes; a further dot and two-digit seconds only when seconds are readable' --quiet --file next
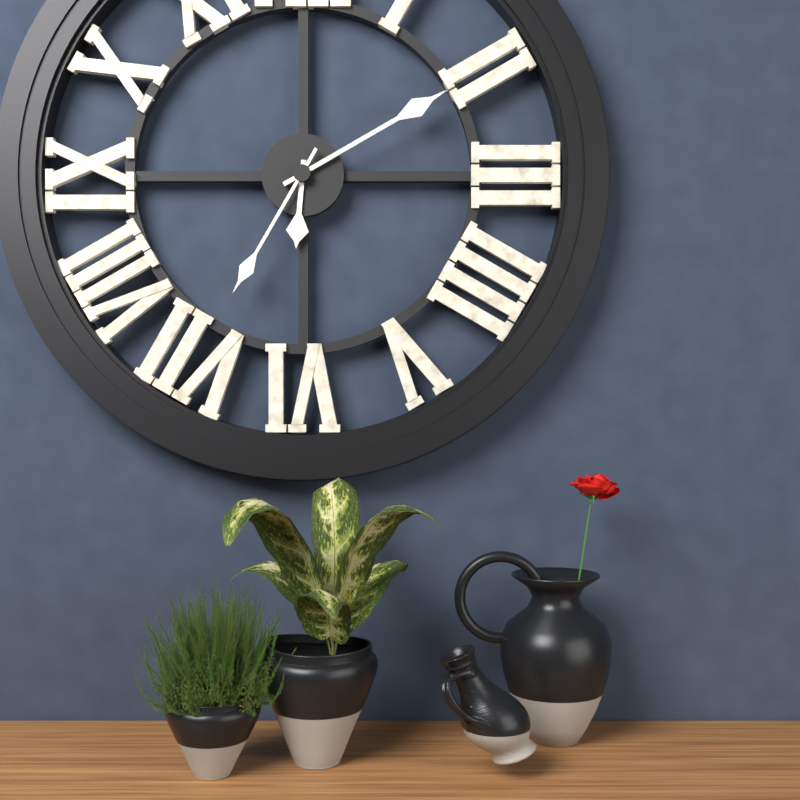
6.10.35
